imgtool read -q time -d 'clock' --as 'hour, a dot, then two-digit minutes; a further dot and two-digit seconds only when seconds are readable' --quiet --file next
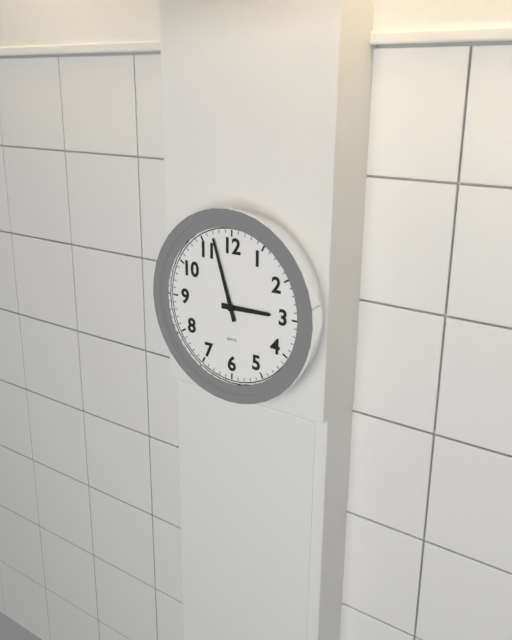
2.57
